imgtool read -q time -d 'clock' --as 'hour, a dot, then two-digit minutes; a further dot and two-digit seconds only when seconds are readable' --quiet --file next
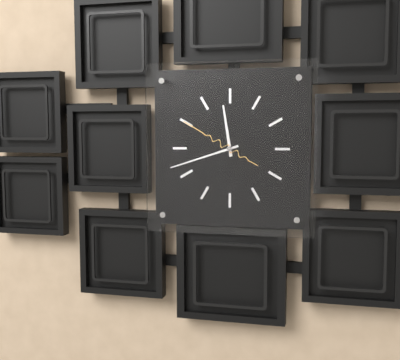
11.42.50
